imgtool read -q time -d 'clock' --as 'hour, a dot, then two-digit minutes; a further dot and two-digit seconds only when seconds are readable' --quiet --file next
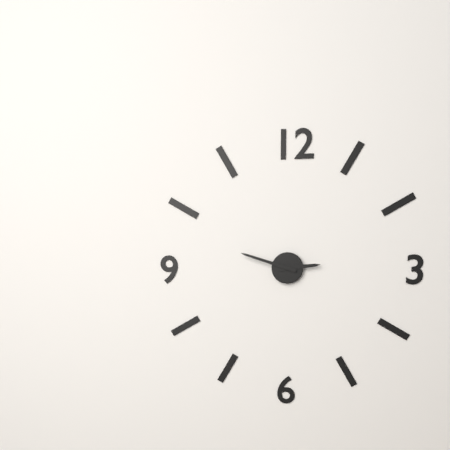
2.48
